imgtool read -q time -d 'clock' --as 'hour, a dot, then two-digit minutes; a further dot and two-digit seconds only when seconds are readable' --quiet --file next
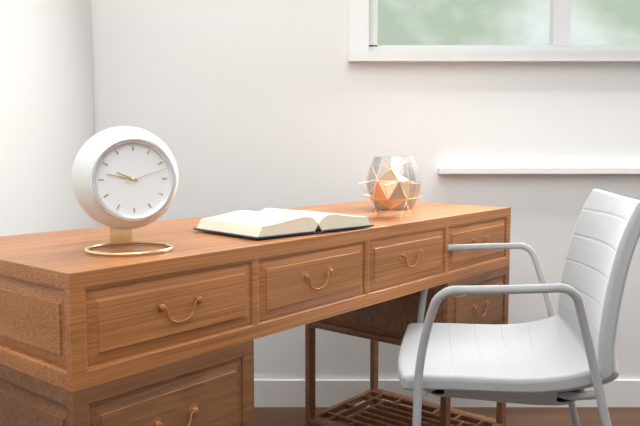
9.47
